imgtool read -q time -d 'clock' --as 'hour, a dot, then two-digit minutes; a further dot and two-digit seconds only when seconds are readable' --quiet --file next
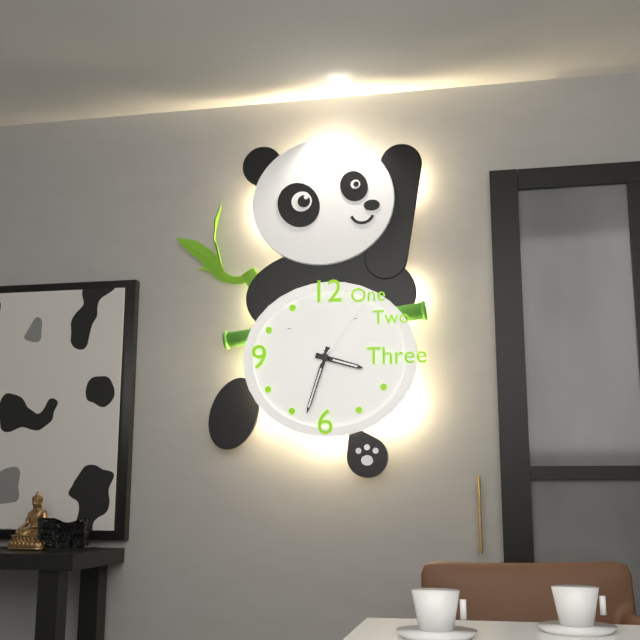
3.33.06
